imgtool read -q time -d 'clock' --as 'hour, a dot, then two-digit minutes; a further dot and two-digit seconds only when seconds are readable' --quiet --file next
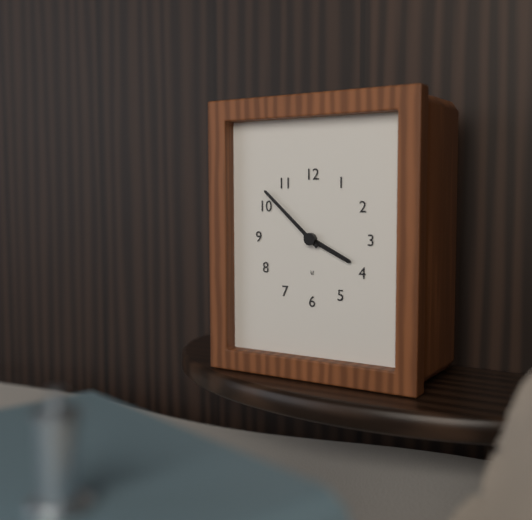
3.52
